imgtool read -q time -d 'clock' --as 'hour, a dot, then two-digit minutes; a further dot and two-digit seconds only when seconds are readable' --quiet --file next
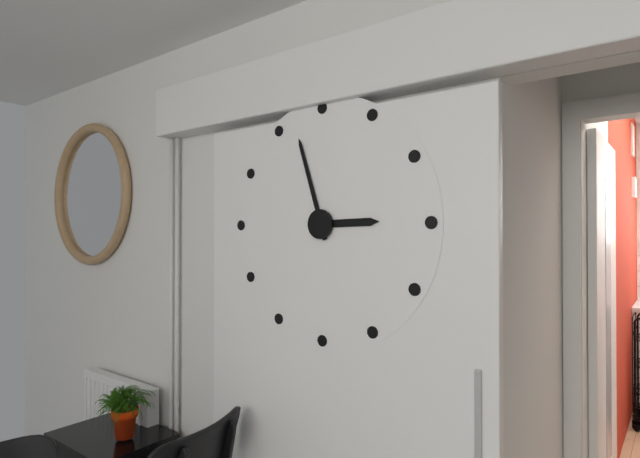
2.57
